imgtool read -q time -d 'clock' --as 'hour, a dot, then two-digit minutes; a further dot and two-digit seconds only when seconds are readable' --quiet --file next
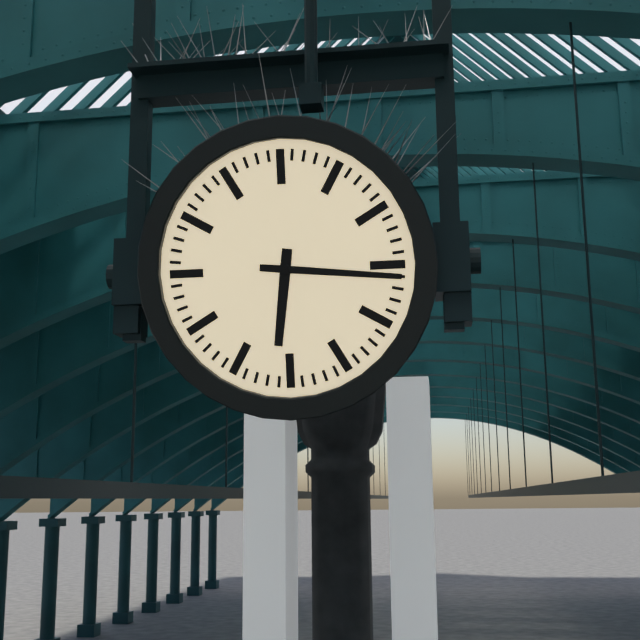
6.16
